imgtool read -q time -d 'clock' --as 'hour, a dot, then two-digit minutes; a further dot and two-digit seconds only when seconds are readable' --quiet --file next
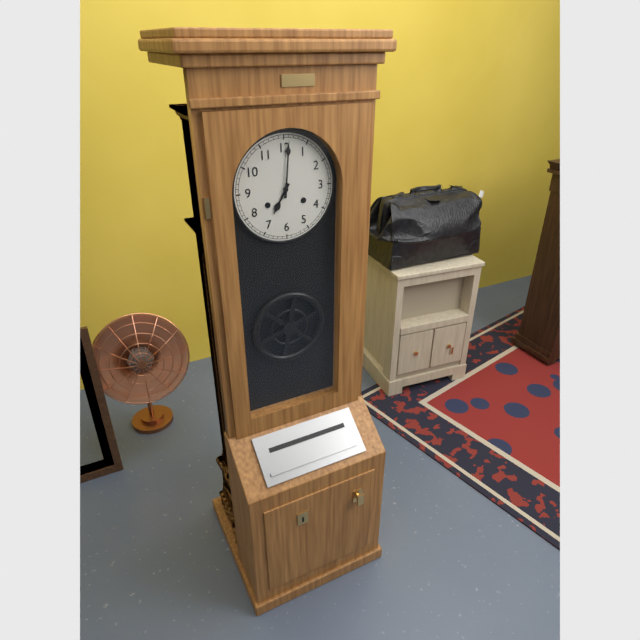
7.01
